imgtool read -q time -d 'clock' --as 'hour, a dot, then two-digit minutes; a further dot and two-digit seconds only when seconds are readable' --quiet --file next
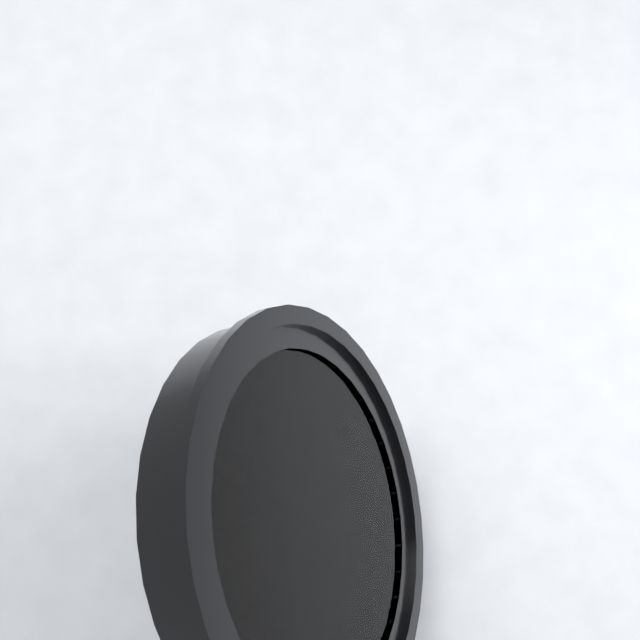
9.25.54
